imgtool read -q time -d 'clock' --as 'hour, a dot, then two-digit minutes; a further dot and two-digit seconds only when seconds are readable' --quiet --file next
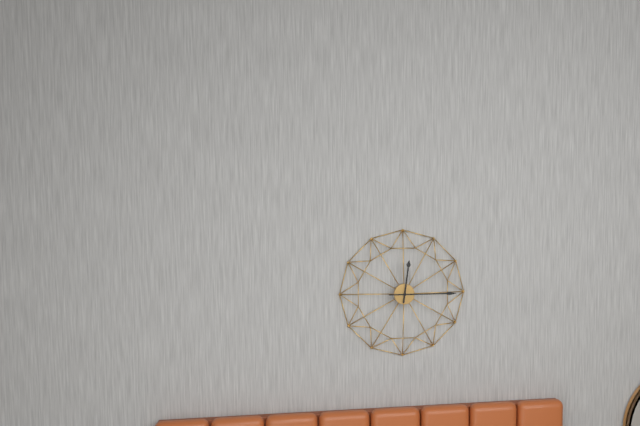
12.15
